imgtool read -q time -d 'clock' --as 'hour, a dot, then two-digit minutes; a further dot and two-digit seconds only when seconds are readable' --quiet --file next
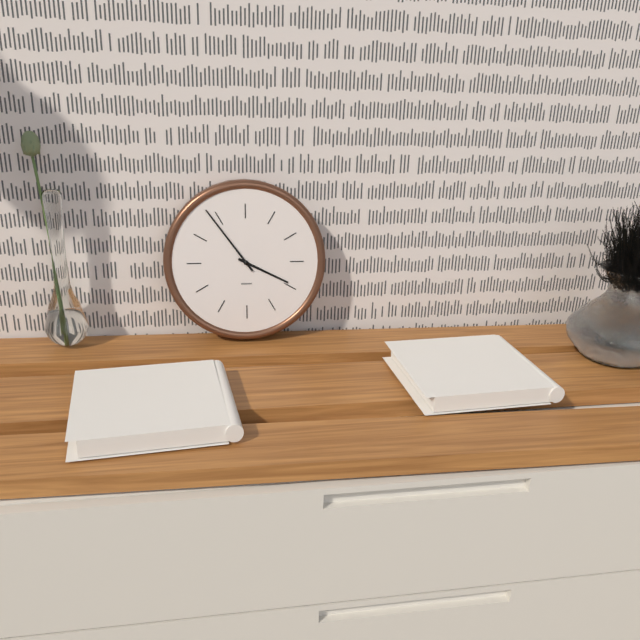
3.54
